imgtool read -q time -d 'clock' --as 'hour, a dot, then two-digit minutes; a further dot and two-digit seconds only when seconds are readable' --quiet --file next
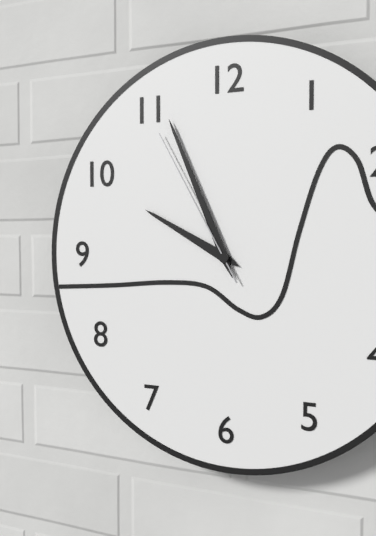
9.56.55
